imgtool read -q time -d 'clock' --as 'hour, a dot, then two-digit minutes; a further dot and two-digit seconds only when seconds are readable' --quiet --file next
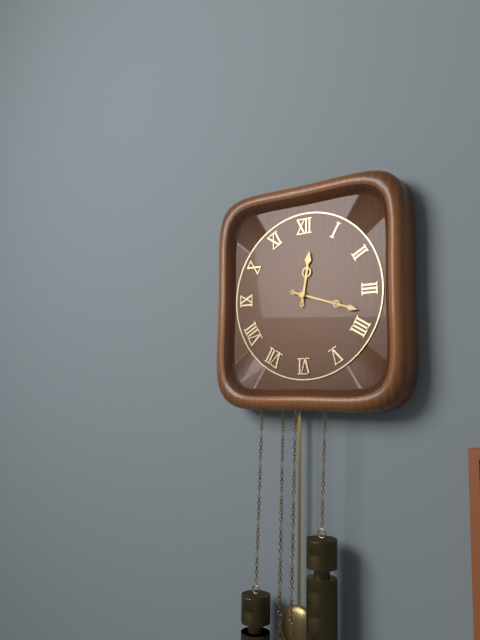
12.18
